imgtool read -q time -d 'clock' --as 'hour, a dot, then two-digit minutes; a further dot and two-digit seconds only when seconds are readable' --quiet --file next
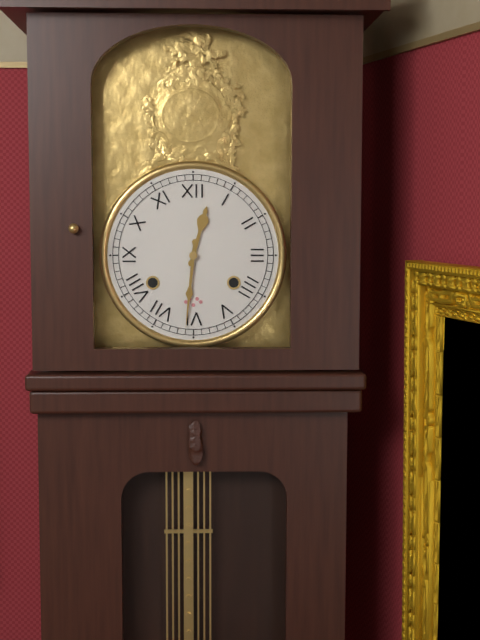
12.31
